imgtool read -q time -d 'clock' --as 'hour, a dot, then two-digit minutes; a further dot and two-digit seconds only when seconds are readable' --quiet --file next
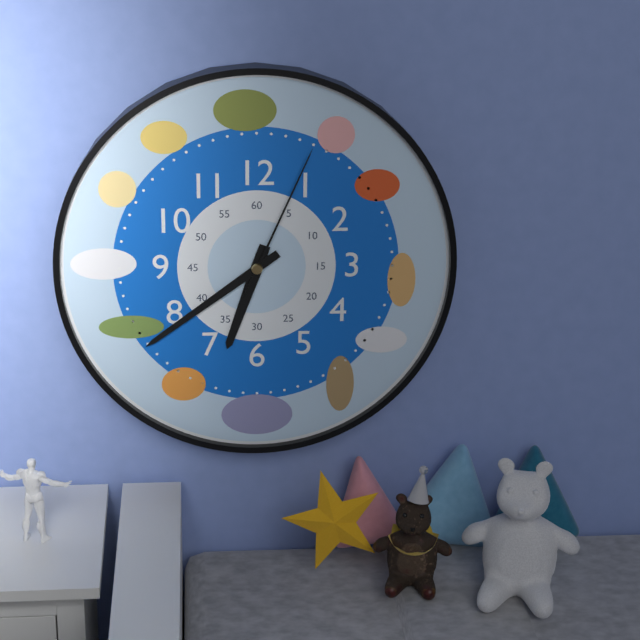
6.39.04
